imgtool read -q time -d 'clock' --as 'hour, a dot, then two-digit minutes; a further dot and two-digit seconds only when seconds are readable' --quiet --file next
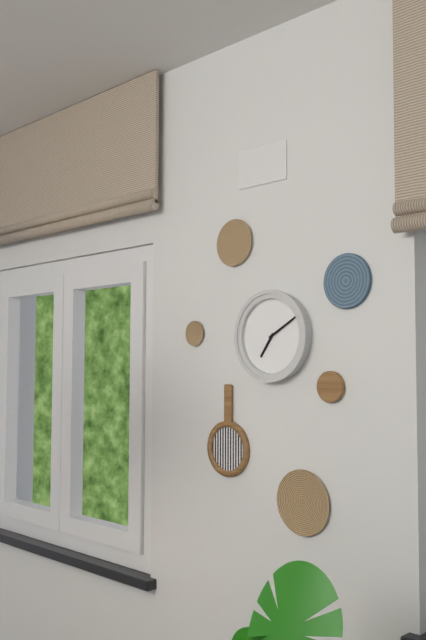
7.10
